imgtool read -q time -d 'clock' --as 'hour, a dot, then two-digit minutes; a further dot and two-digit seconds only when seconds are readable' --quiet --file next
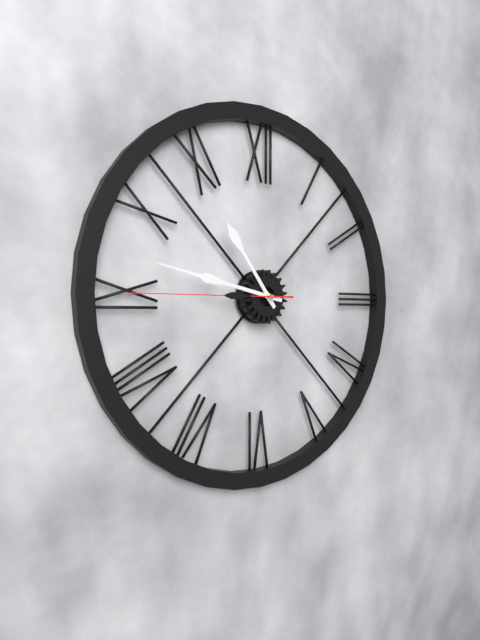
10.47.45
